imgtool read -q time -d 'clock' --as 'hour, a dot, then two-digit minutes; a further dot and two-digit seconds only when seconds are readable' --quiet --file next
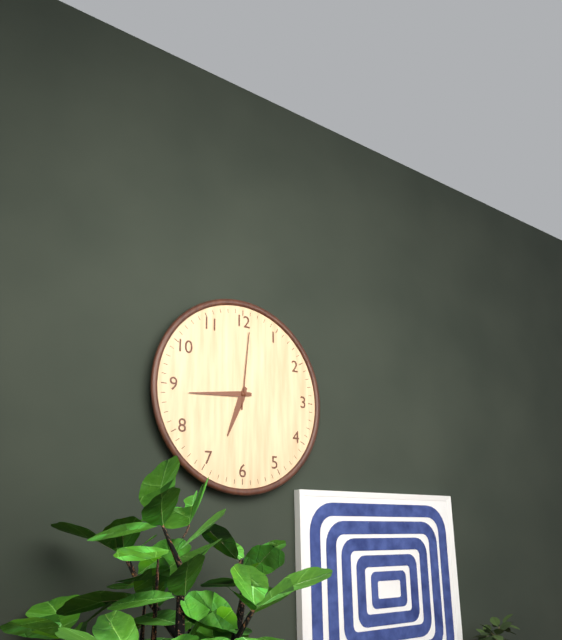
6.44.01
